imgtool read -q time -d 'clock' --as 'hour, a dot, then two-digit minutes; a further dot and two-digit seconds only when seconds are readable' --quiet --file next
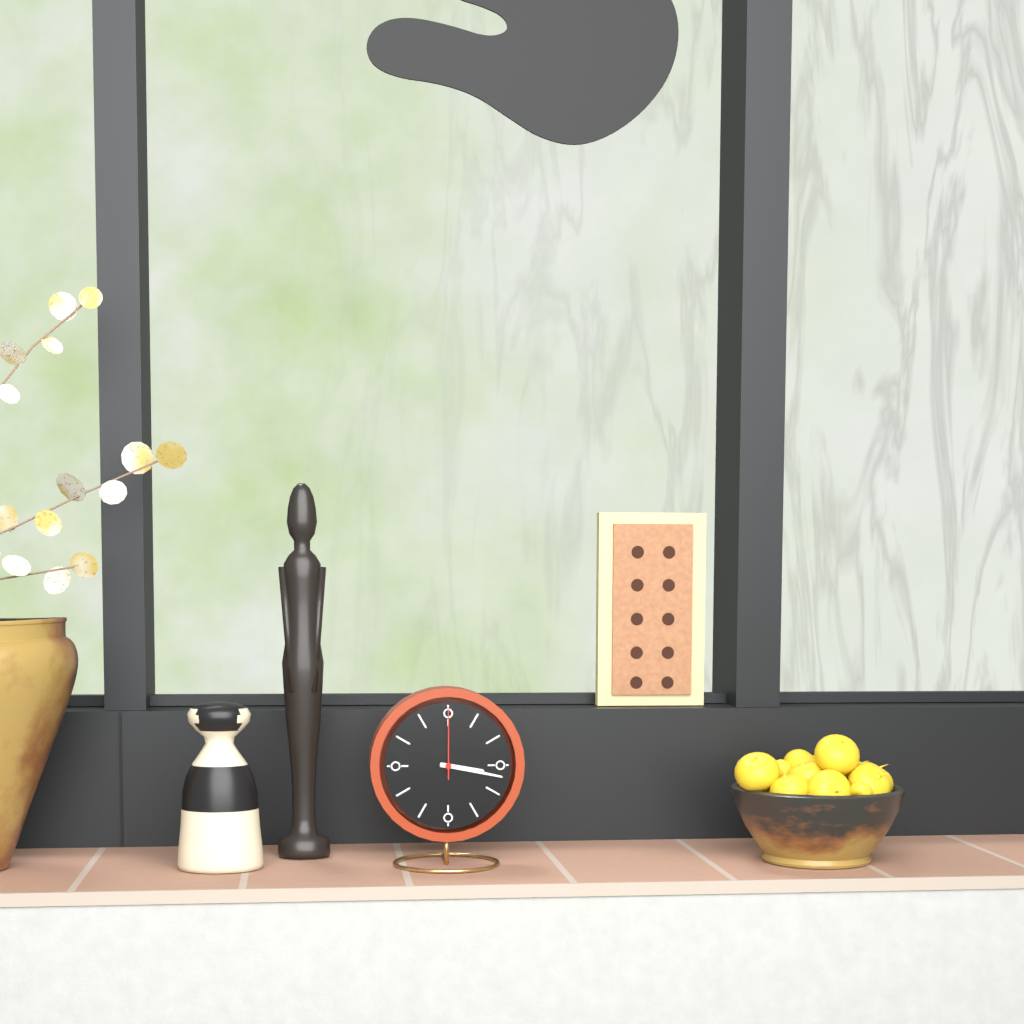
3.17.00
